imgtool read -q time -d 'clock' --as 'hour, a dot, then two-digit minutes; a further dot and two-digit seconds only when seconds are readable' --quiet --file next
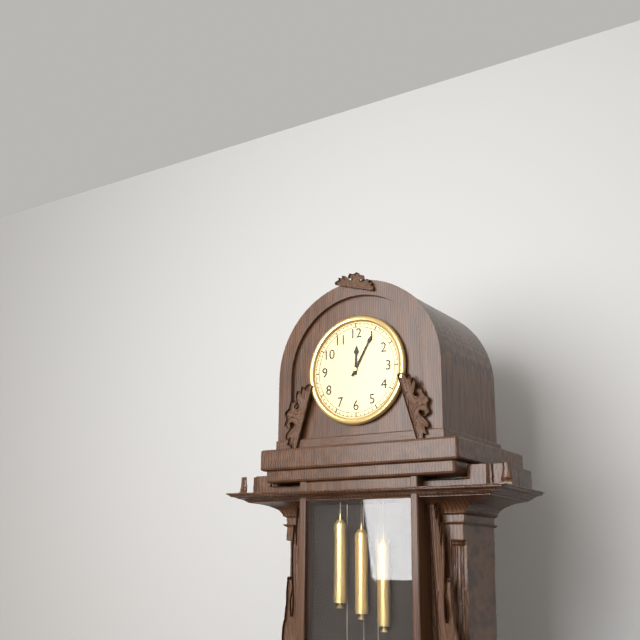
12.05
